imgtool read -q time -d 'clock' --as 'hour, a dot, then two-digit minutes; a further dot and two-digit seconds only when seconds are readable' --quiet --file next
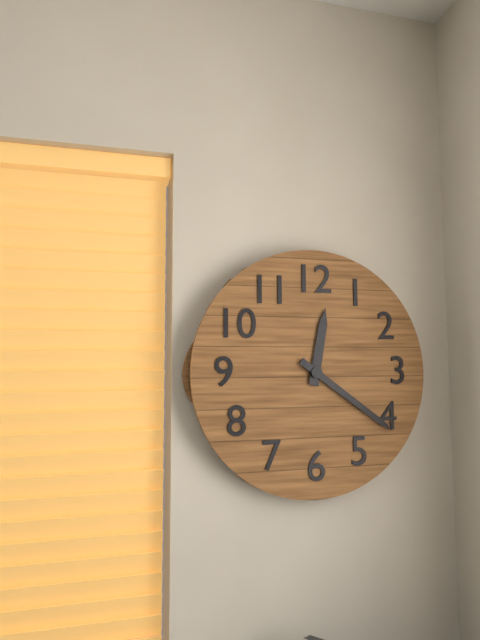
12.21
